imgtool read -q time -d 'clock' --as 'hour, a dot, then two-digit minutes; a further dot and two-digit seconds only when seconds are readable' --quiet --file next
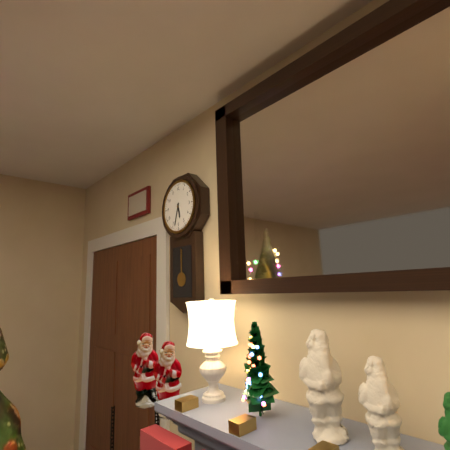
5.33
